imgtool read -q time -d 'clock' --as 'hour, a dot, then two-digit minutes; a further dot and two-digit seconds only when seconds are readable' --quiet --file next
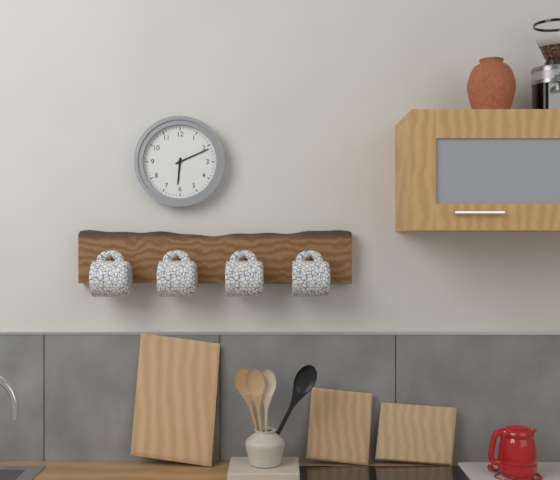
6.11
